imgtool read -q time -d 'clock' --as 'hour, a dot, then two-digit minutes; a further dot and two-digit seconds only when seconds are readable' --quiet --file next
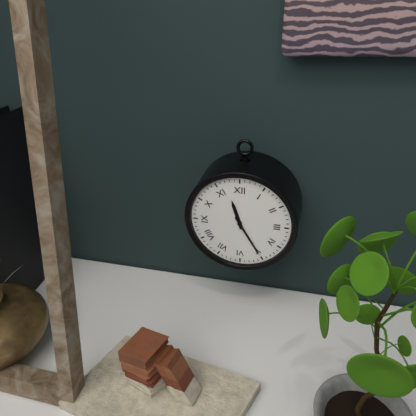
11.25
